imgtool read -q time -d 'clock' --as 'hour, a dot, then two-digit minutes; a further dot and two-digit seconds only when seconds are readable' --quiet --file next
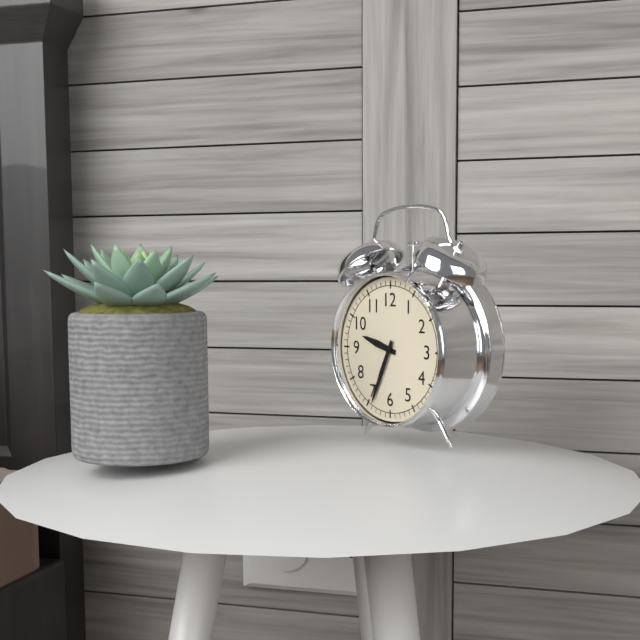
9.34
